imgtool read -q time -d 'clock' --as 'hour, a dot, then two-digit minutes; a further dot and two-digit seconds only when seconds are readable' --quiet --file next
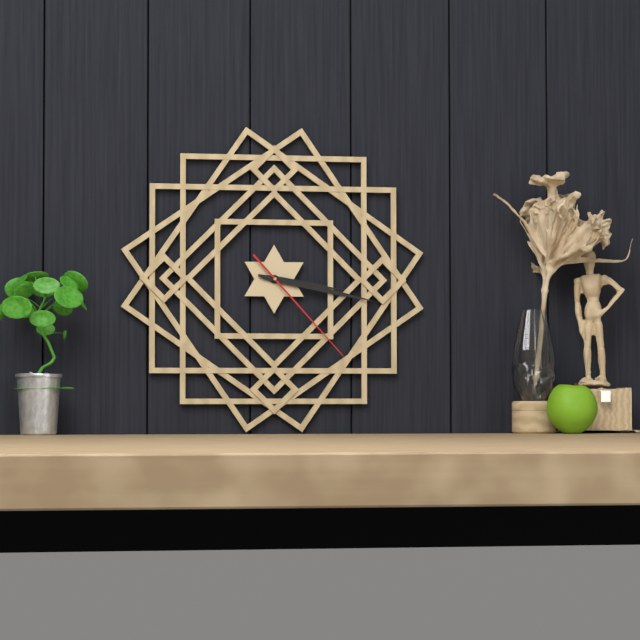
3.17.23
